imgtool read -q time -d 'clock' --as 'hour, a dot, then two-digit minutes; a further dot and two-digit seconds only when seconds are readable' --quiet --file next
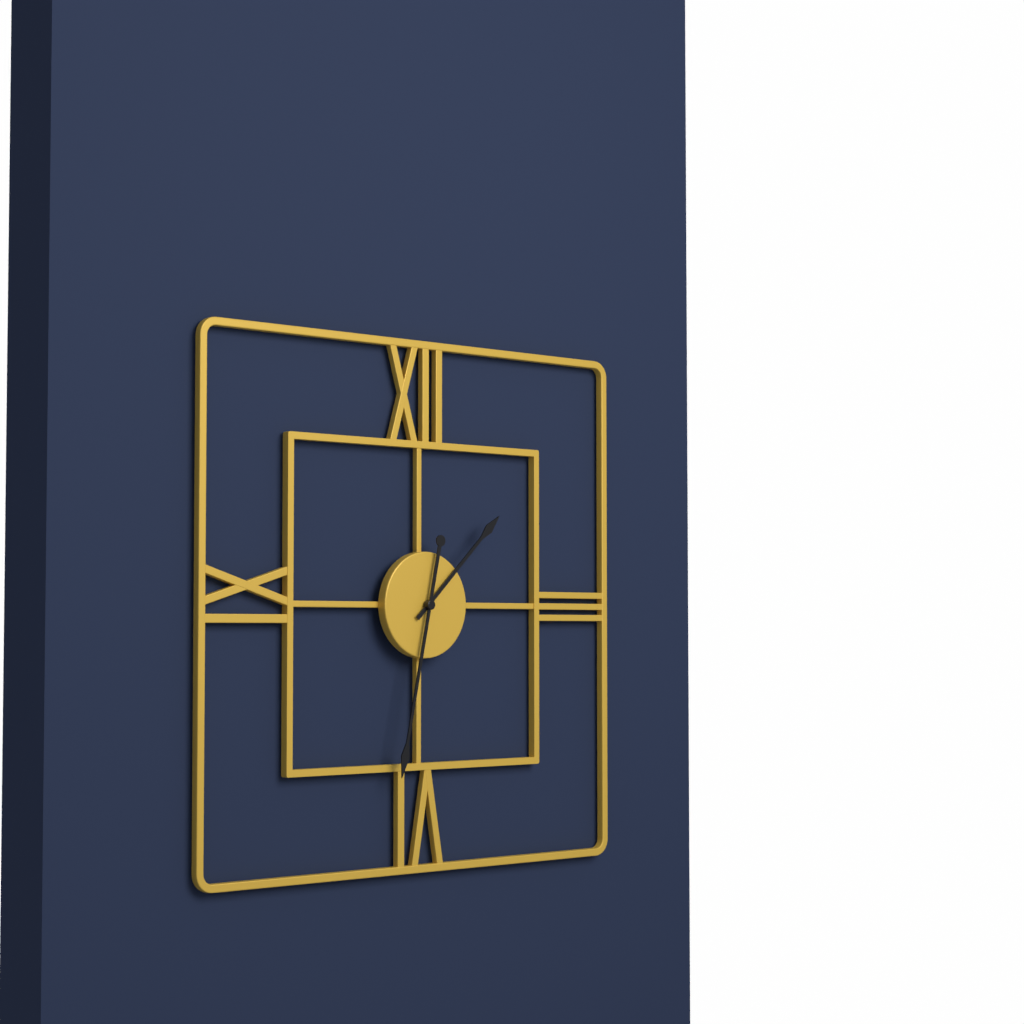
1.32
